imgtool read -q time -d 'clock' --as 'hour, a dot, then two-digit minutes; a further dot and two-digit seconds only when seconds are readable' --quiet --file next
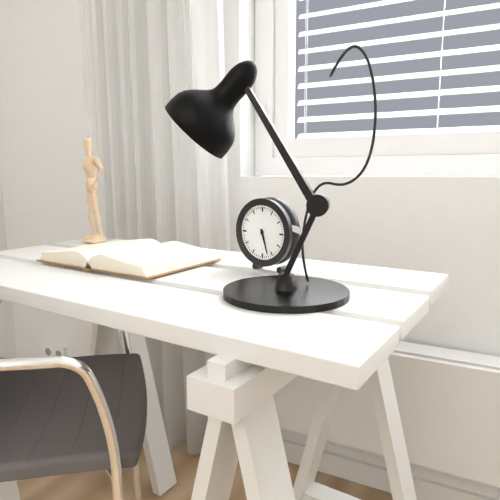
5.27
